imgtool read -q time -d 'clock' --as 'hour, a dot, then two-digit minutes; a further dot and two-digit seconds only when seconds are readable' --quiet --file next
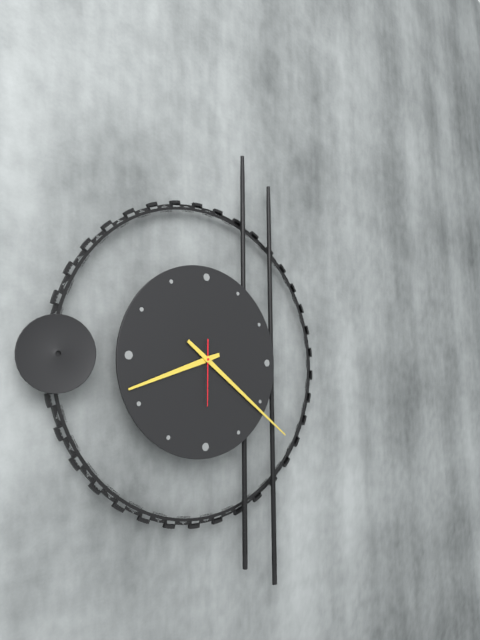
8.21.30
